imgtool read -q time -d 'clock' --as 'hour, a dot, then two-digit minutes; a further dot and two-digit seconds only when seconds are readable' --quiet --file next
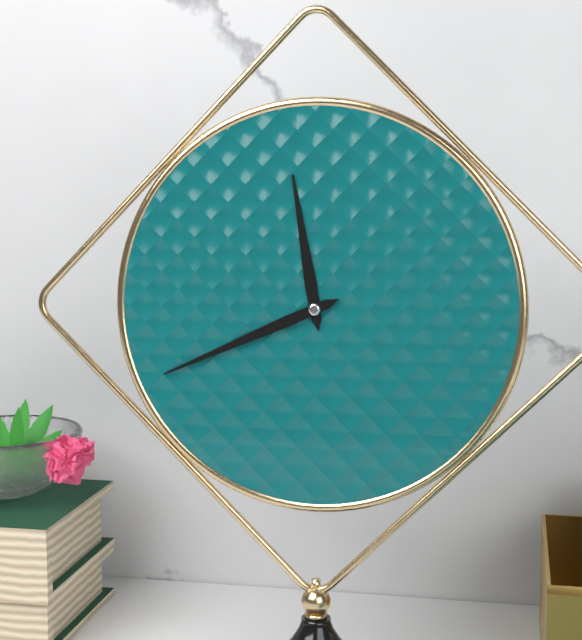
11.41
